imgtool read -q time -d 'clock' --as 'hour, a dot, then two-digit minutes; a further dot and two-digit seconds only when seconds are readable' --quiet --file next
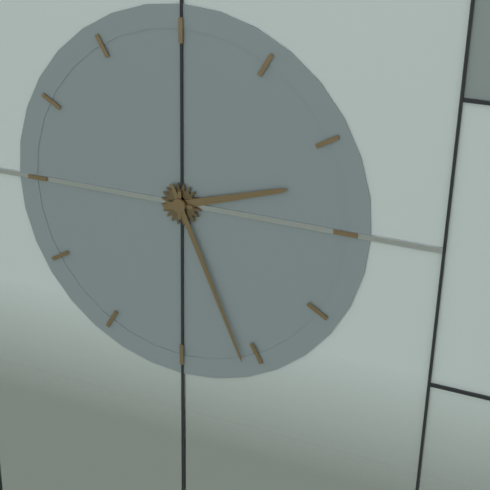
2.26
